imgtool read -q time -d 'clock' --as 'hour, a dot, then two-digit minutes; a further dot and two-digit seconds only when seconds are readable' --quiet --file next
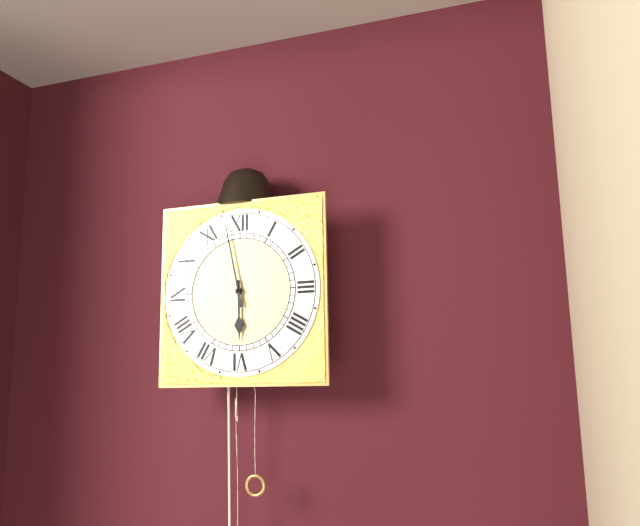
5.58
